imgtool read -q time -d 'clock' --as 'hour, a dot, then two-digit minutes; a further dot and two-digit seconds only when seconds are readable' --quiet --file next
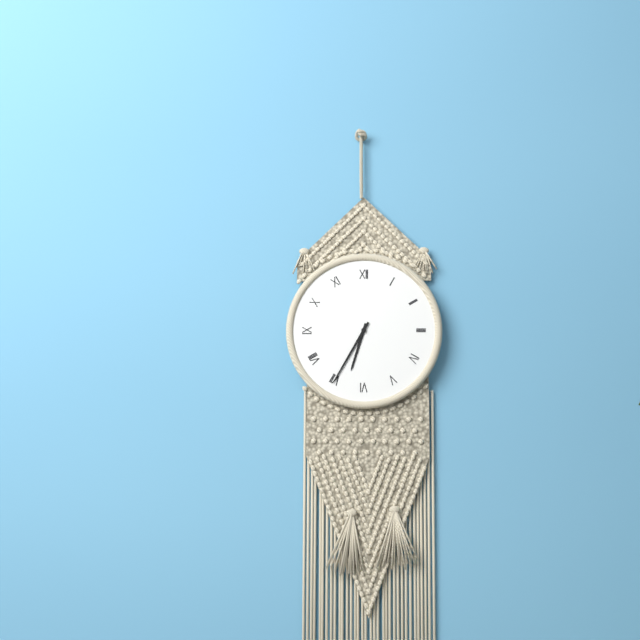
6.35
